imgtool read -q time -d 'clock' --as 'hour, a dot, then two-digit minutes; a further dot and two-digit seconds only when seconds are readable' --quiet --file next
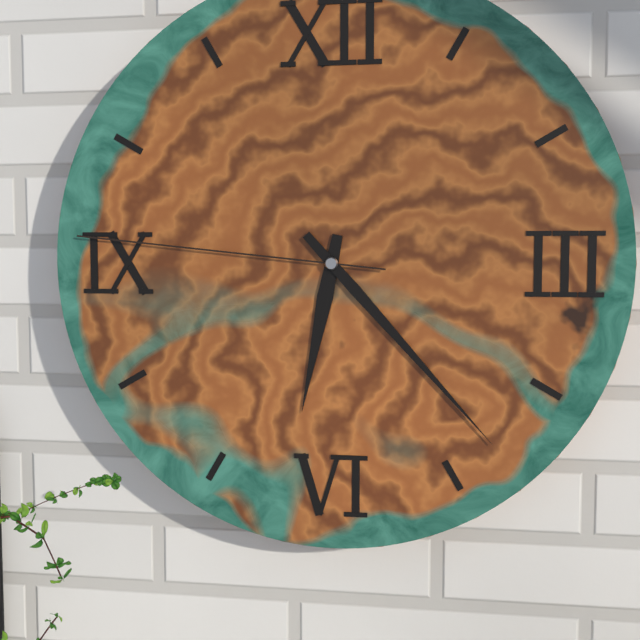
6.23.46
